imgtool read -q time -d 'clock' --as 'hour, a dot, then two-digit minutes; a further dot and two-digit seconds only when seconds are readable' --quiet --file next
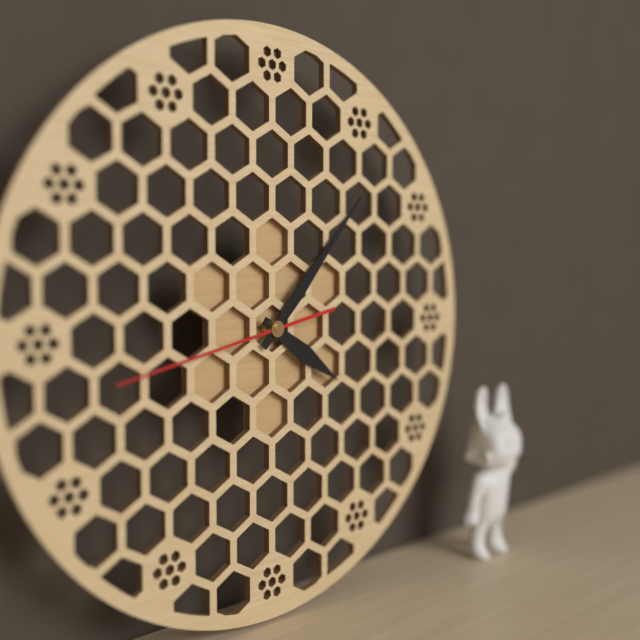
4.07.43
